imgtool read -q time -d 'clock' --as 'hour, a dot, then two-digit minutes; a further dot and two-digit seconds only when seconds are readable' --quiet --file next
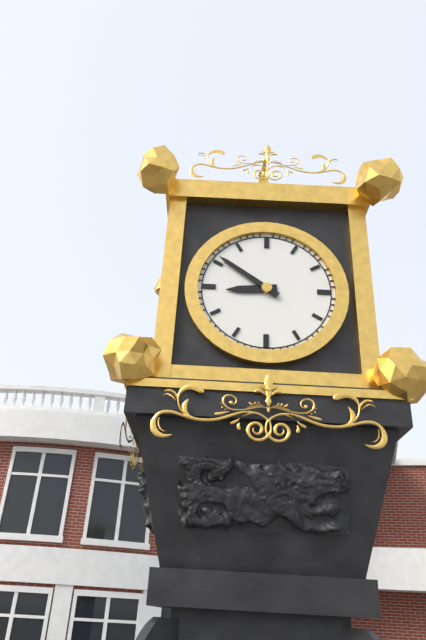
8.51
